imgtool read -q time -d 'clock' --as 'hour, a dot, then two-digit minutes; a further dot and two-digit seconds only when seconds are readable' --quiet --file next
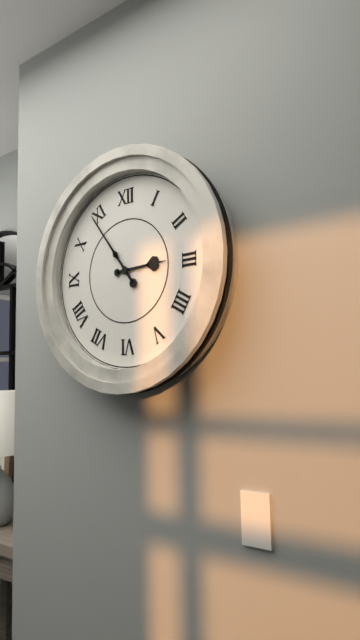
2.54
